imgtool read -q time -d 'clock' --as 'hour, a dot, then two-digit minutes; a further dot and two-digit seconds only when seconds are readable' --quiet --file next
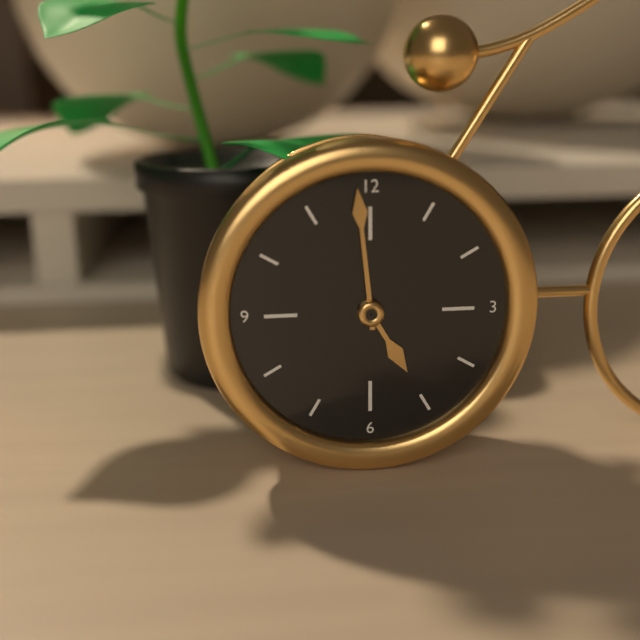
4.59
